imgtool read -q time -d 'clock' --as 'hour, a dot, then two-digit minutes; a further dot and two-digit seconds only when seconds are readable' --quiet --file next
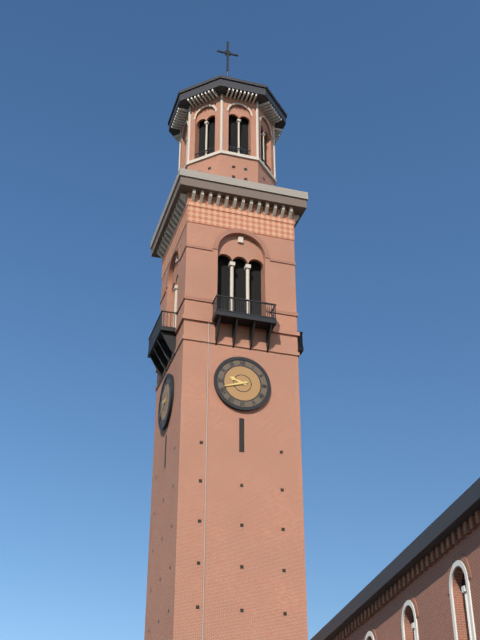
9.42
